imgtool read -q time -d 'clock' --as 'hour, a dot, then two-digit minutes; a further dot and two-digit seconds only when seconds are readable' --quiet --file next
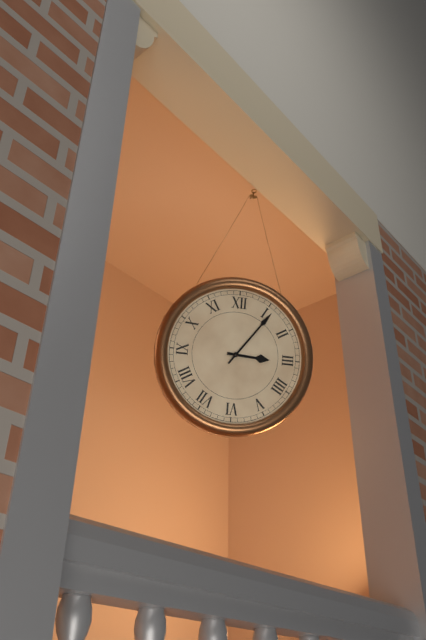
3.06
